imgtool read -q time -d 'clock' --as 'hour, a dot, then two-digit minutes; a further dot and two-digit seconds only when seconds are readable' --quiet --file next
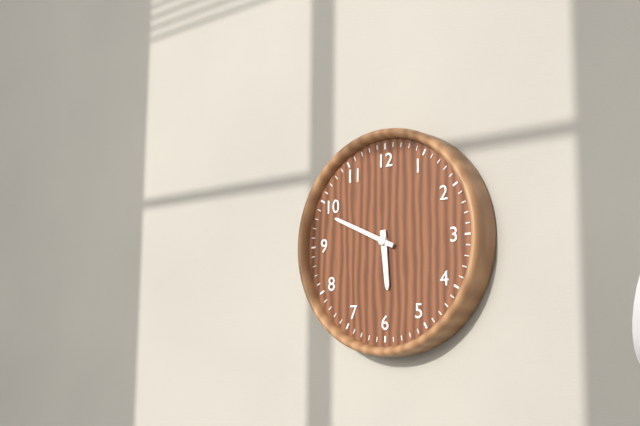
5.49
